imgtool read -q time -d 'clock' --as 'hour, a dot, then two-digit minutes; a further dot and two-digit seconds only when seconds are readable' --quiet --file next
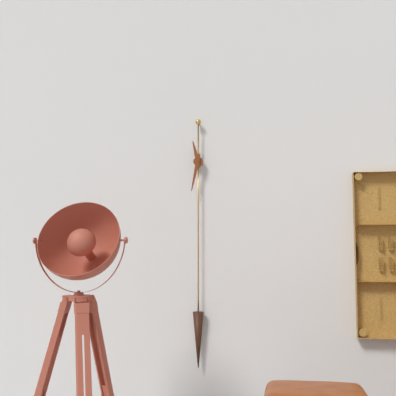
11.32
